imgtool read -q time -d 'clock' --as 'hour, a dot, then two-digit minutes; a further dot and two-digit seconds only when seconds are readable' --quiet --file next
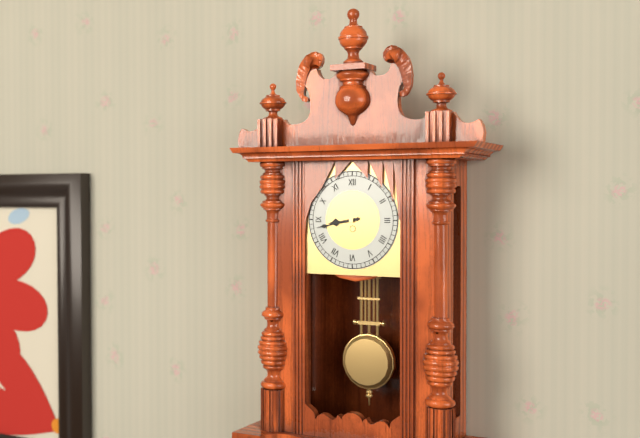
8.43
